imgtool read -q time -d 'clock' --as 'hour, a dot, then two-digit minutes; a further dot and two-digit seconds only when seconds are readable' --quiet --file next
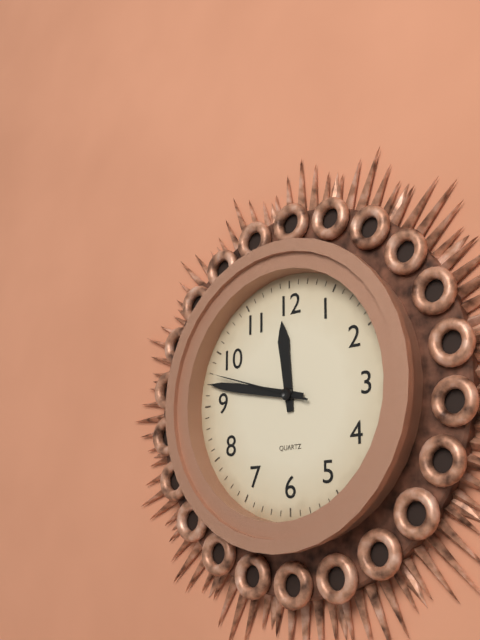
11.47.48
